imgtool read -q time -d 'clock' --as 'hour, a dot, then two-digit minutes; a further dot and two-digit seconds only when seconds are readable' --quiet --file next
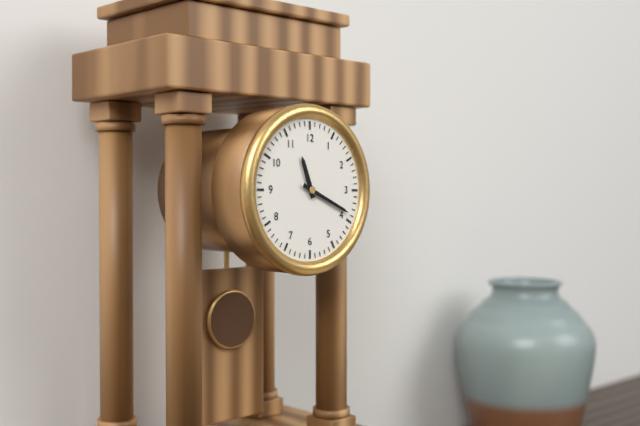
11.19
